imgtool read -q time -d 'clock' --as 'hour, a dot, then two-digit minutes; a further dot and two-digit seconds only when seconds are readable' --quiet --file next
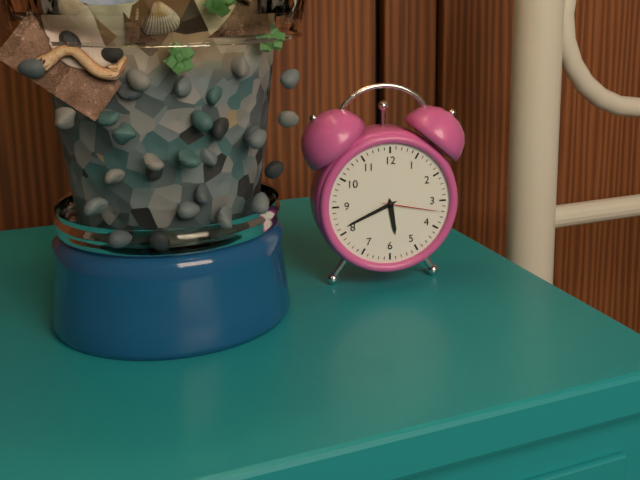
5.41.17
